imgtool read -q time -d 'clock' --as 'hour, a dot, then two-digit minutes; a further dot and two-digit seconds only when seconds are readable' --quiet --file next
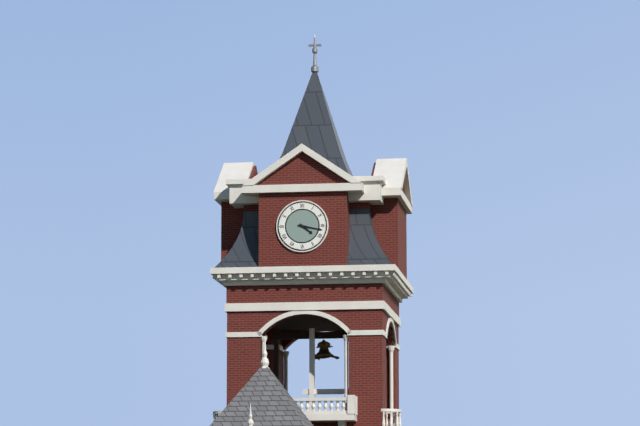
4.17
